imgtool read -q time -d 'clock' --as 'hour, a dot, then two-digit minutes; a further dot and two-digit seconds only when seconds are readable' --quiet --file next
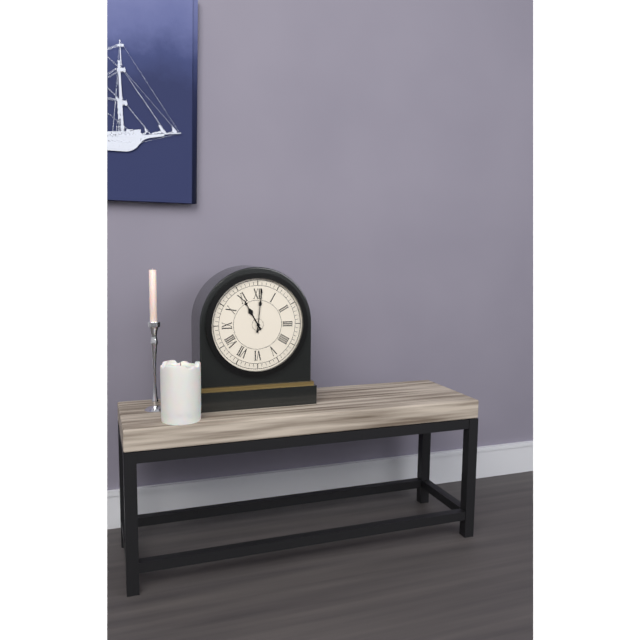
11.01
